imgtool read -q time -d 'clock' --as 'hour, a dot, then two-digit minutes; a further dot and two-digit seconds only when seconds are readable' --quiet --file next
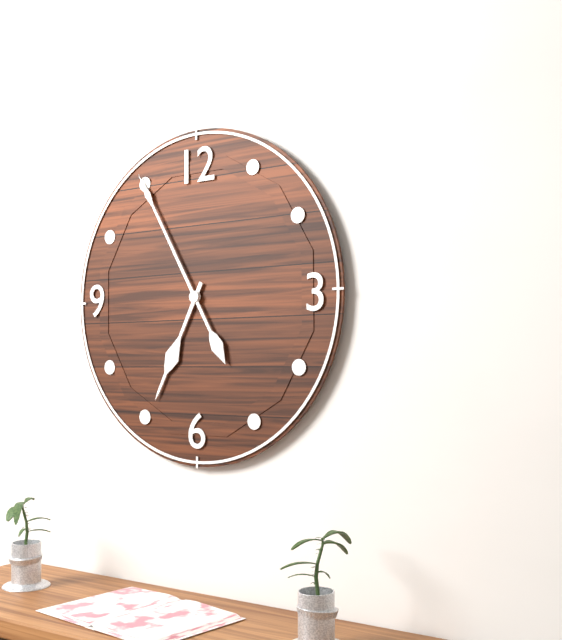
6.55
